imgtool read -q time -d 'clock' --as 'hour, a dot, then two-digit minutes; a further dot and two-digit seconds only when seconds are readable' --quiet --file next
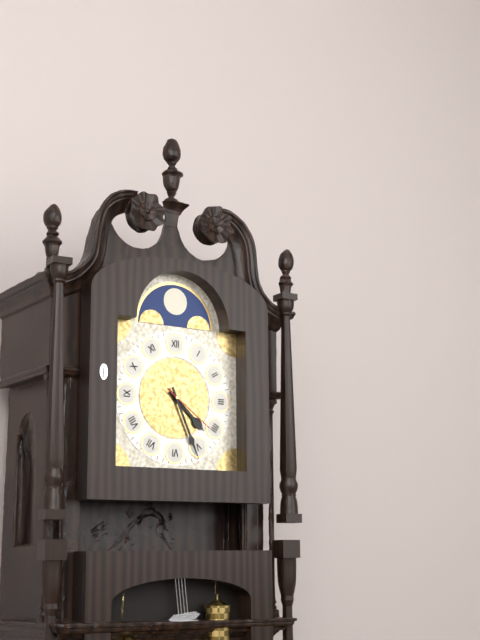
4.26.21
